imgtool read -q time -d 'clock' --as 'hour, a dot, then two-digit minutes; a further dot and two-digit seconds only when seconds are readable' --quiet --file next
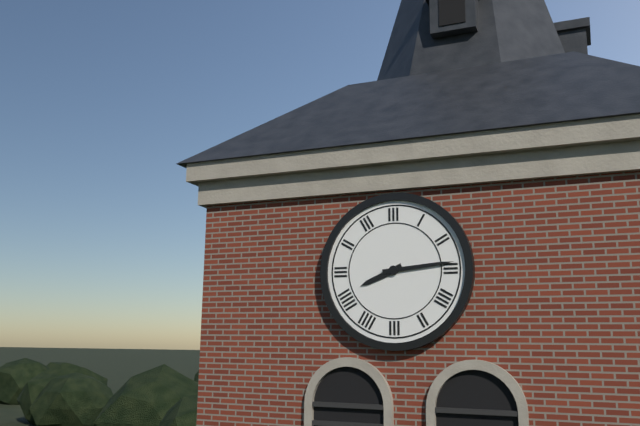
8.14
